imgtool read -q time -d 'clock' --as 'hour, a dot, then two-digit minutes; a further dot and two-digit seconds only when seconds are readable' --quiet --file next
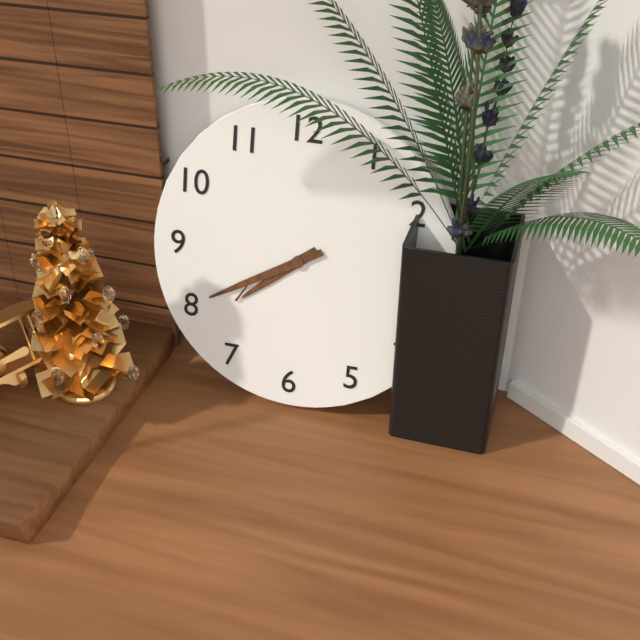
7.40
